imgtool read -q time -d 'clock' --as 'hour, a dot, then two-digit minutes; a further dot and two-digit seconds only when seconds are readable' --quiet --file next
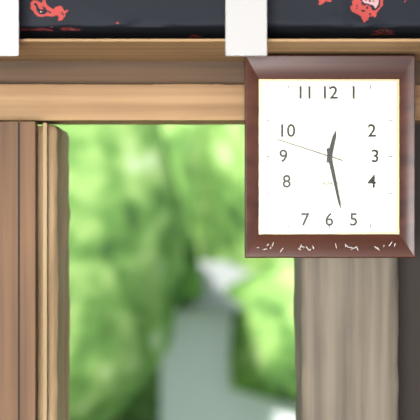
12.28.48
